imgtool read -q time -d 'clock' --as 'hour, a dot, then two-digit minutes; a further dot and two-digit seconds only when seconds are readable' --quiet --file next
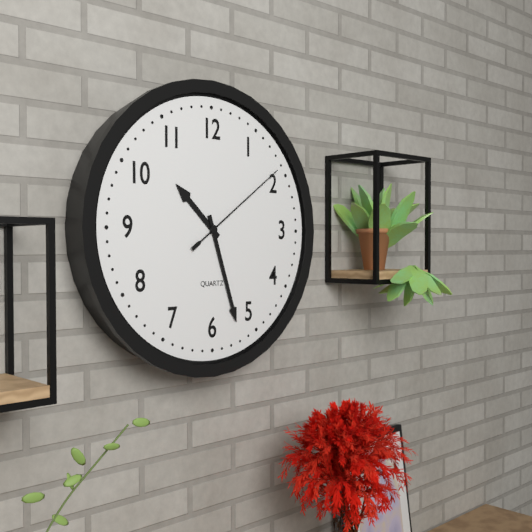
10.27.09
